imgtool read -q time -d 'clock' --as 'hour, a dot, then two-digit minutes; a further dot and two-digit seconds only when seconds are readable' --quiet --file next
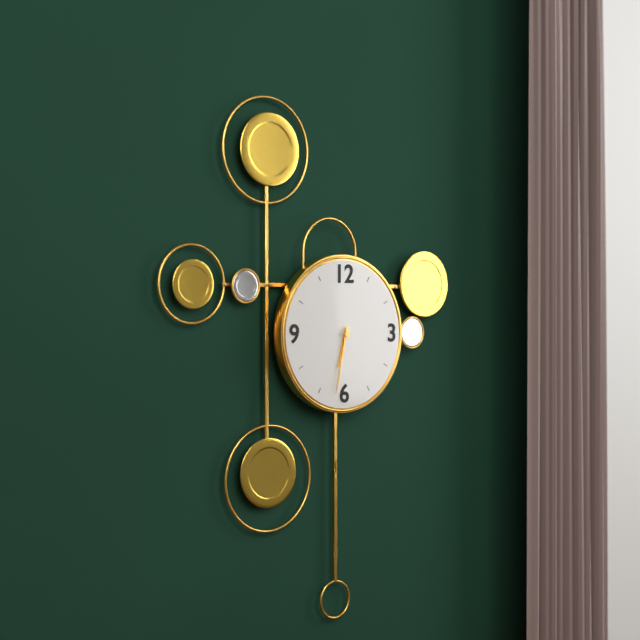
6.32
